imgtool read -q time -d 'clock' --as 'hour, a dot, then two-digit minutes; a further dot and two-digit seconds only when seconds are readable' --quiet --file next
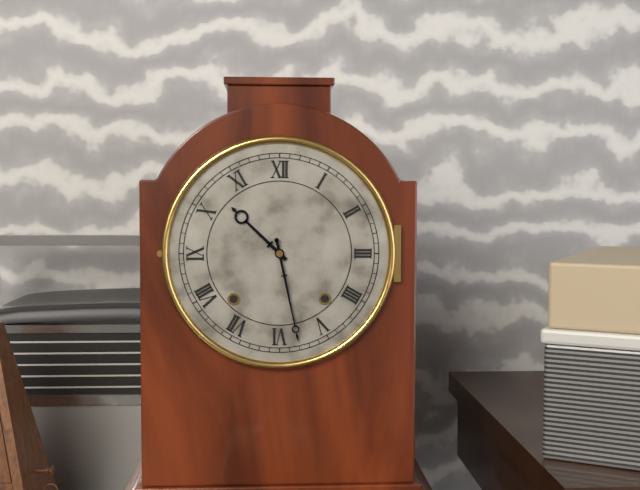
10.28
